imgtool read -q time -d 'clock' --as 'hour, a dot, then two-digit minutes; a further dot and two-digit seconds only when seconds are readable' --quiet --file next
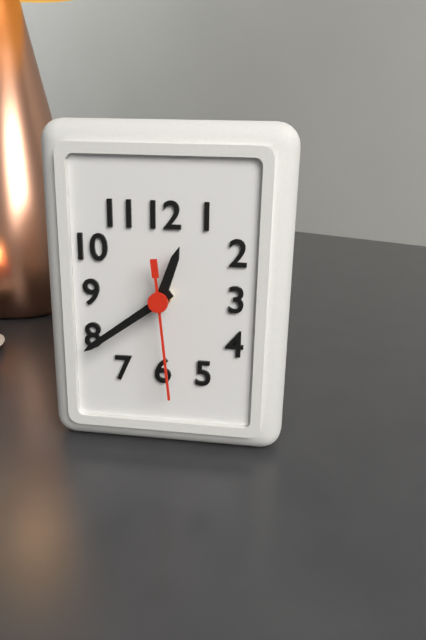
12.39.29
